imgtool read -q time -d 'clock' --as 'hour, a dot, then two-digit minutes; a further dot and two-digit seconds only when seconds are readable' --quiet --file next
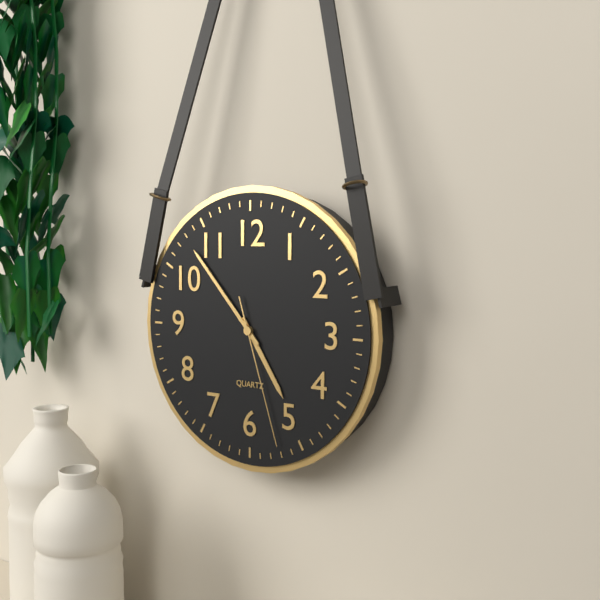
4.53.27
